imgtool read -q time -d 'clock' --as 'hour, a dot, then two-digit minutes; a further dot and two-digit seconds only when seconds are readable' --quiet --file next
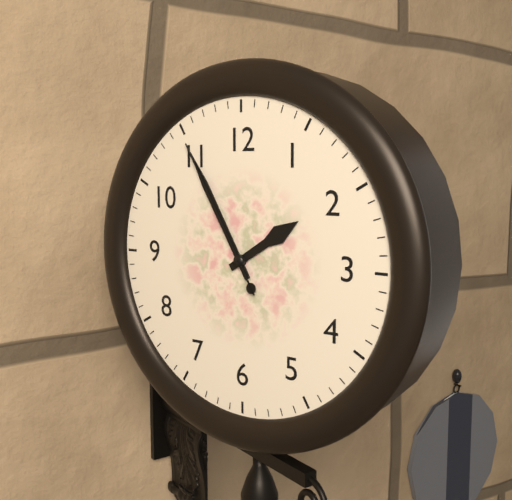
1.55.55
